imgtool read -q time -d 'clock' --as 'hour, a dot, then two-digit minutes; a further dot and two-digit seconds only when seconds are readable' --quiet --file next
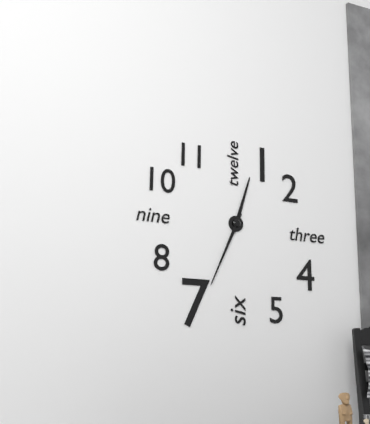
12.34
